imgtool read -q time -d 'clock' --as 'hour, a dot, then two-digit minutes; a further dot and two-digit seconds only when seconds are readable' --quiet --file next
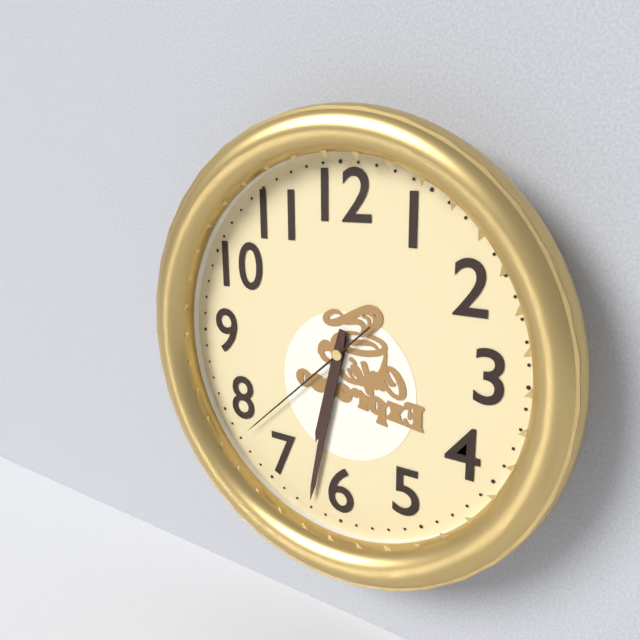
6.32.38
